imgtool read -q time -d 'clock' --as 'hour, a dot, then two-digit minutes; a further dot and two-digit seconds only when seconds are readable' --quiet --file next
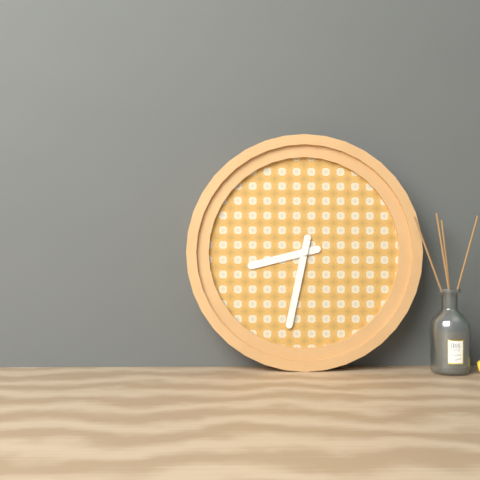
8.32
